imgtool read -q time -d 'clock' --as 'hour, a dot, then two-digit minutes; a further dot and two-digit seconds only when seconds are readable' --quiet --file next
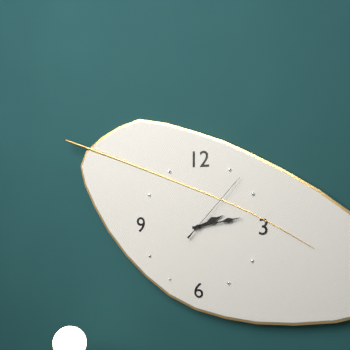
2.13.07
